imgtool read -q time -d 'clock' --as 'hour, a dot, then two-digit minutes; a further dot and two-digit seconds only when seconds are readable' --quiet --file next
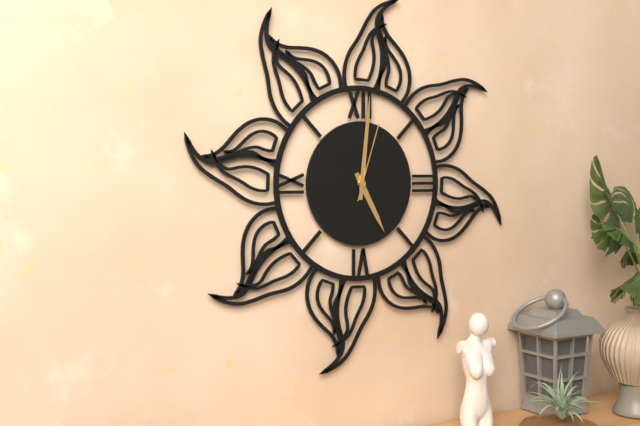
5.01.03
